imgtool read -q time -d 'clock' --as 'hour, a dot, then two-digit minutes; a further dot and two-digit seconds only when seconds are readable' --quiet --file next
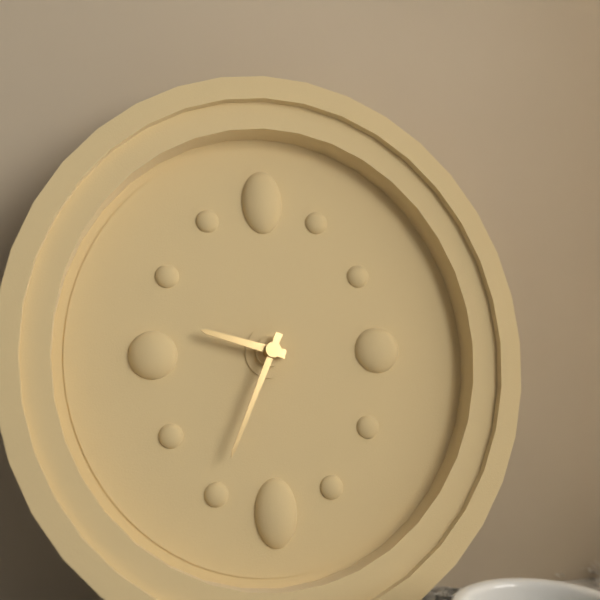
9.34
